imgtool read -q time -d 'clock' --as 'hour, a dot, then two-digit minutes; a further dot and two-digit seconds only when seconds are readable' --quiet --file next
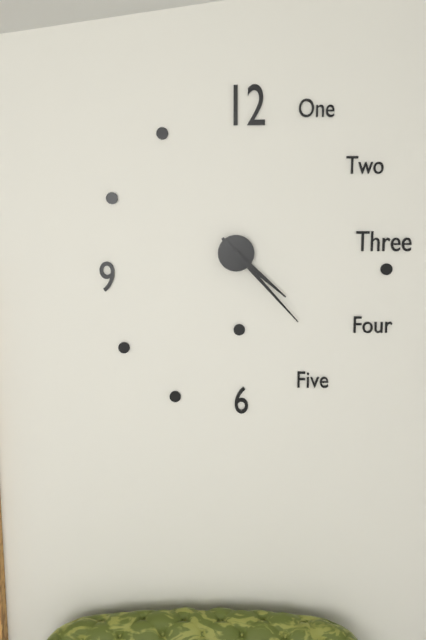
4.23
